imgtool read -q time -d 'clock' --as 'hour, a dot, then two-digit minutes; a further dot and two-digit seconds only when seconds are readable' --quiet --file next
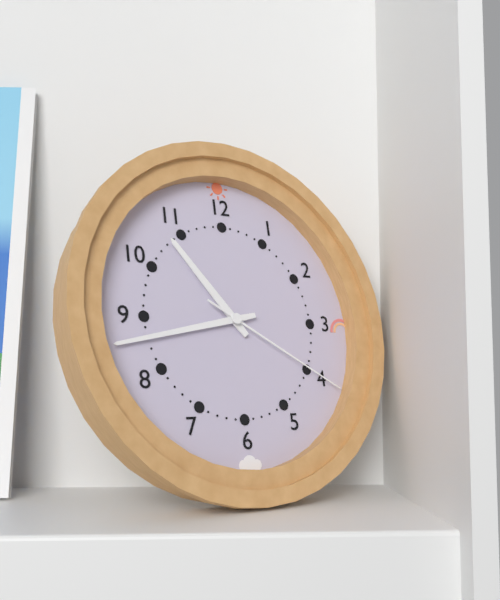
10.43.20
